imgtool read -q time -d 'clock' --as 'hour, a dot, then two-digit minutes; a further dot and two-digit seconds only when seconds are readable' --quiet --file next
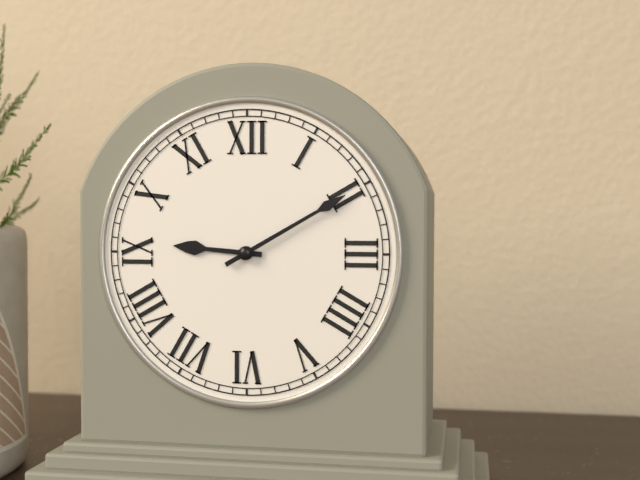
9.10
